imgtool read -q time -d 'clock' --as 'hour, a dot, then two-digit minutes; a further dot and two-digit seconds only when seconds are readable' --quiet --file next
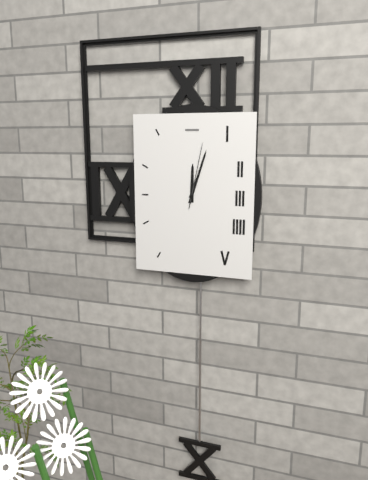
12.03.02
